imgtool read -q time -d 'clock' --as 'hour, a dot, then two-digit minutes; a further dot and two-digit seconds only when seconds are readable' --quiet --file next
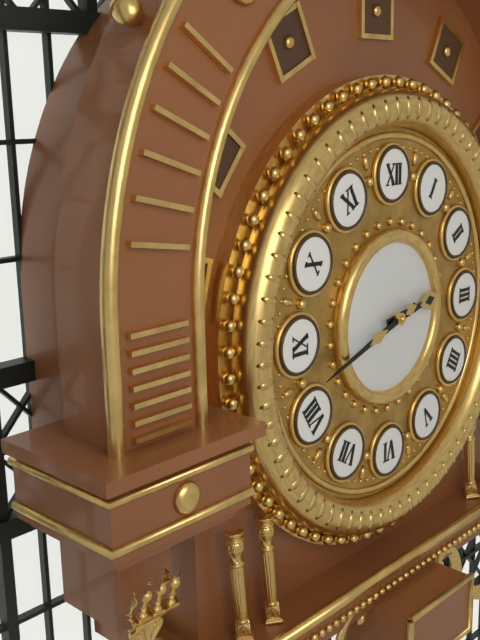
2.42
